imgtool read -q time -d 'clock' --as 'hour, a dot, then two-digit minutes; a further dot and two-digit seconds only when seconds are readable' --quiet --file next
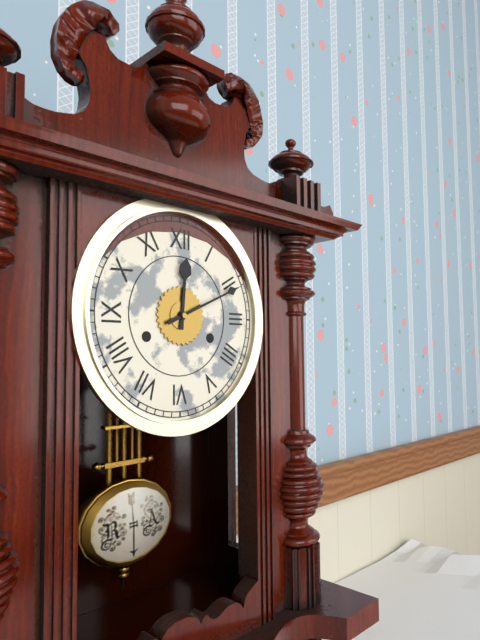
12.11
